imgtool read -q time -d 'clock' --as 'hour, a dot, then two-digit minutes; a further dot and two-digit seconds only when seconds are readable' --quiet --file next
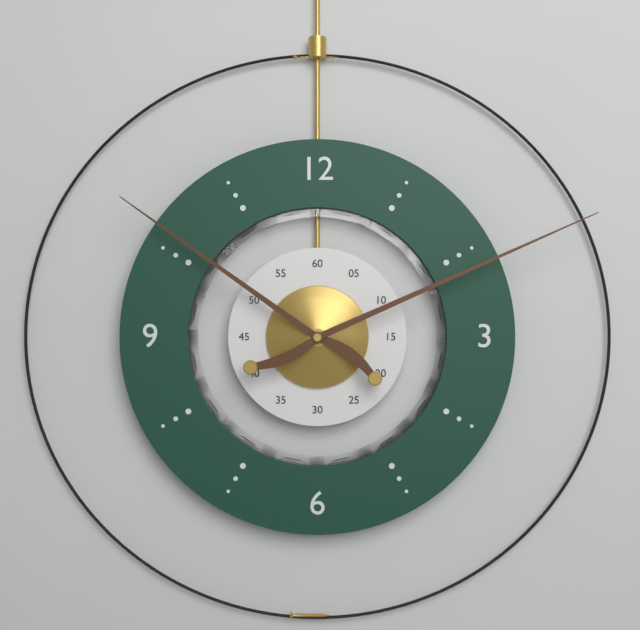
10.11
